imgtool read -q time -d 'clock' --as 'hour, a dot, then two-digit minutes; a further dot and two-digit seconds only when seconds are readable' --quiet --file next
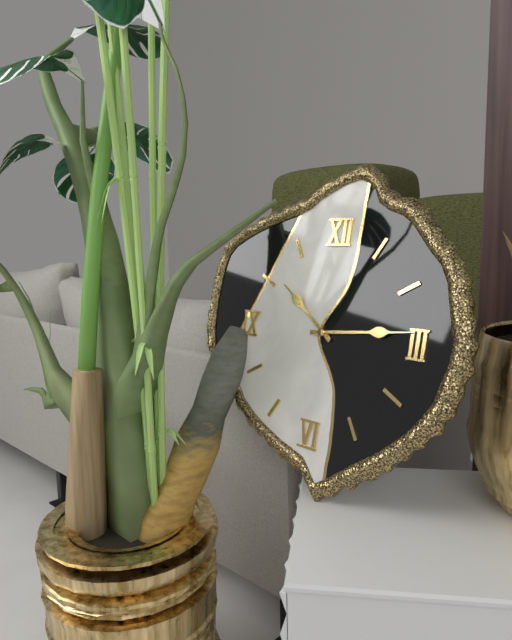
10.14
